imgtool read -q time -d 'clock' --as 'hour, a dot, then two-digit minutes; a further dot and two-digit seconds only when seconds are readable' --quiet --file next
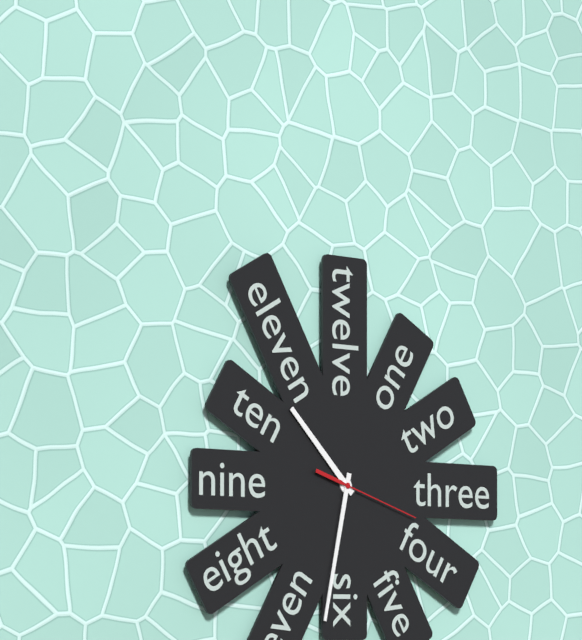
10.32.18
